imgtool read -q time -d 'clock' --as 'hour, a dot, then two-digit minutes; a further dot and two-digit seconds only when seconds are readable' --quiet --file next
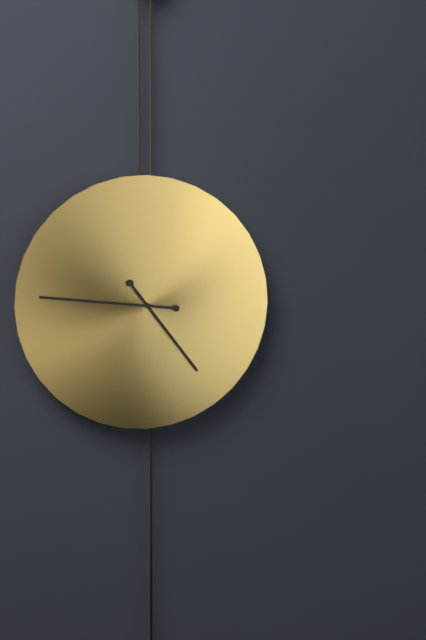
4.46
